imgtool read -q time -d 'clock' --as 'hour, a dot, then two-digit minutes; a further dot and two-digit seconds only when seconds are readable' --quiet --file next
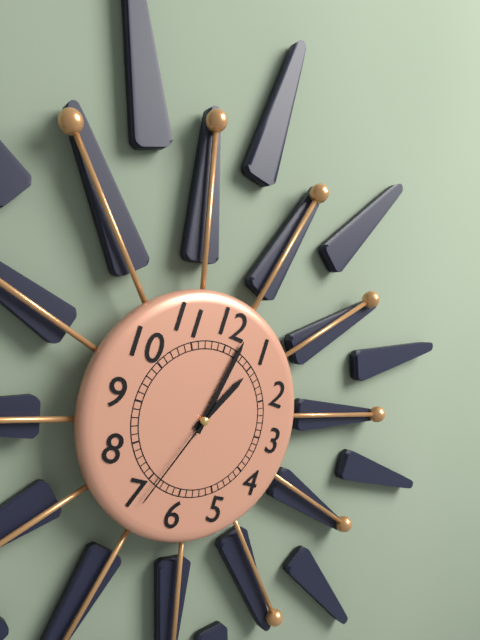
1.02.34
